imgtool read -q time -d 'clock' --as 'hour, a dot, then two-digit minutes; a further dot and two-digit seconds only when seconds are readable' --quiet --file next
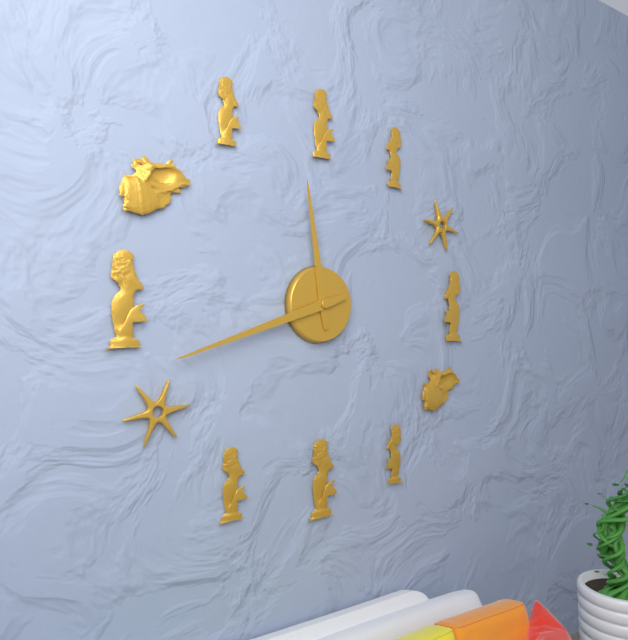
11.42
